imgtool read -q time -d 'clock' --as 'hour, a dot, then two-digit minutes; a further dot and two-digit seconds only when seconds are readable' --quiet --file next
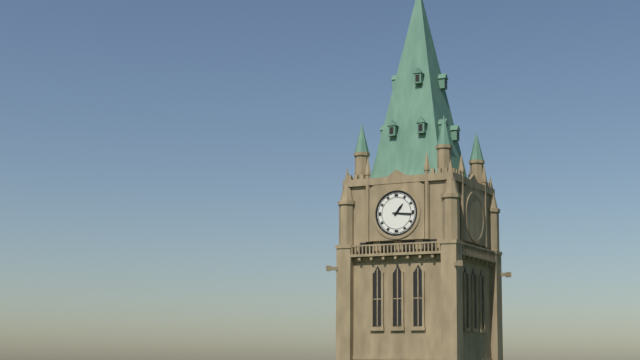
1.16
